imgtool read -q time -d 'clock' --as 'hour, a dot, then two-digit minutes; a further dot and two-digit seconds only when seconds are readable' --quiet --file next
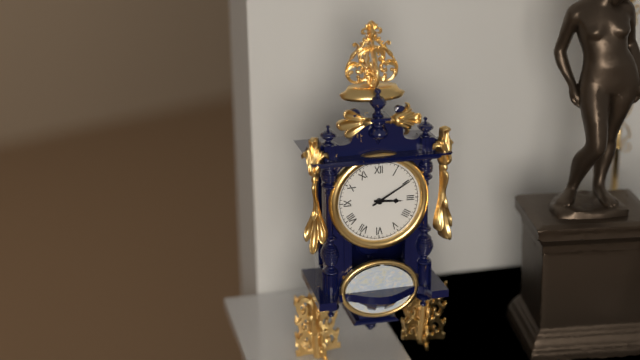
3.10
